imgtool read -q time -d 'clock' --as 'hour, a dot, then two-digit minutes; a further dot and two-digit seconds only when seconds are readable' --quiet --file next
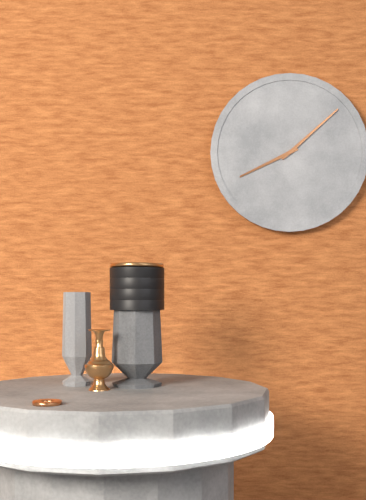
8.08
